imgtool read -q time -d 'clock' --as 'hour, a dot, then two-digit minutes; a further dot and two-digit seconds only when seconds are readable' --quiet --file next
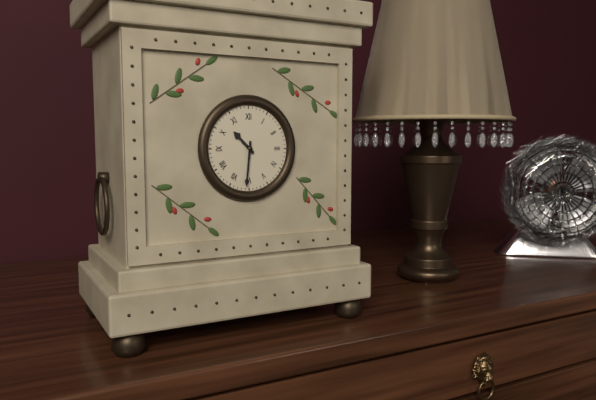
10.31
